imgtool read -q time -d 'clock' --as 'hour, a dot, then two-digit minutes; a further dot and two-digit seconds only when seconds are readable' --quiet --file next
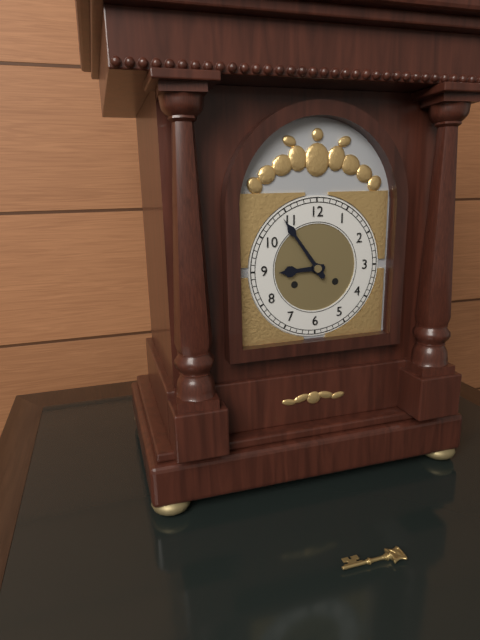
8.54
